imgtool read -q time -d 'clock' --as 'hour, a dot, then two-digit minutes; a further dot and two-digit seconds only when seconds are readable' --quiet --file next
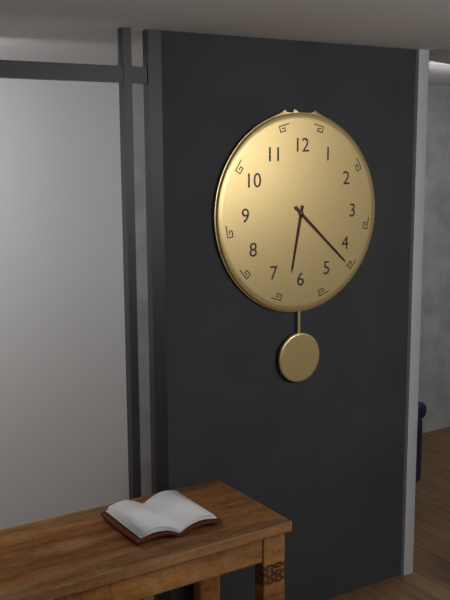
6.22
